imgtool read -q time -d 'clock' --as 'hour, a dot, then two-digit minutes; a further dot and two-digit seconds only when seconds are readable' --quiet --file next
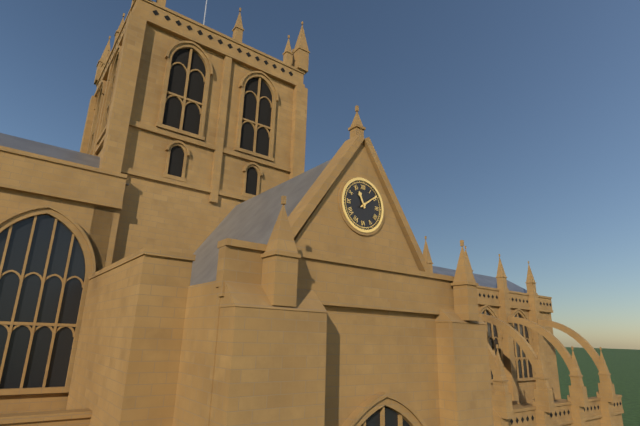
11.09
